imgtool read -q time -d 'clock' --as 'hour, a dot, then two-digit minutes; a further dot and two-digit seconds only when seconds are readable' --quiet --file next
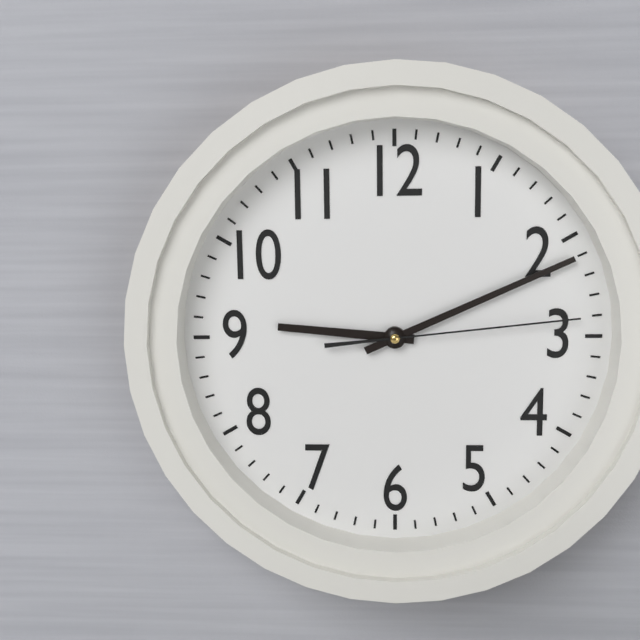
9.11.14
